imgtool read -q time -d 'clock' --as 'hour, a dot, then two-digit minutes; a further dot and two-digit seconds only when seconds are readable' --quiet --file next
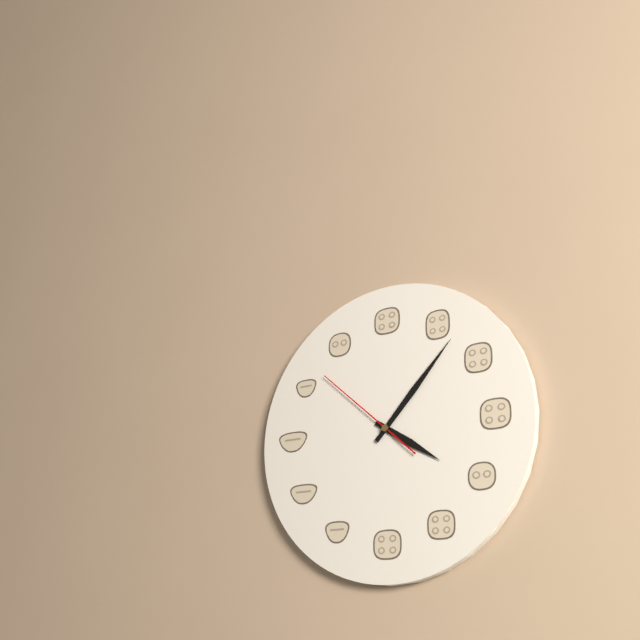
4.07.52
